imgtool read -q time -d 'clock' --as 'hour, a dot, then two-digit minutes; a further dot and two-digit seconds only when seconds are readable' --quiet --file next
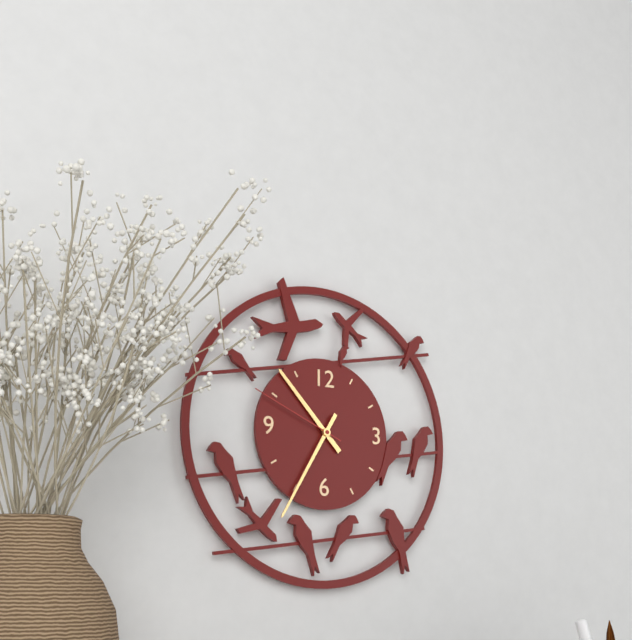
10.35.49
